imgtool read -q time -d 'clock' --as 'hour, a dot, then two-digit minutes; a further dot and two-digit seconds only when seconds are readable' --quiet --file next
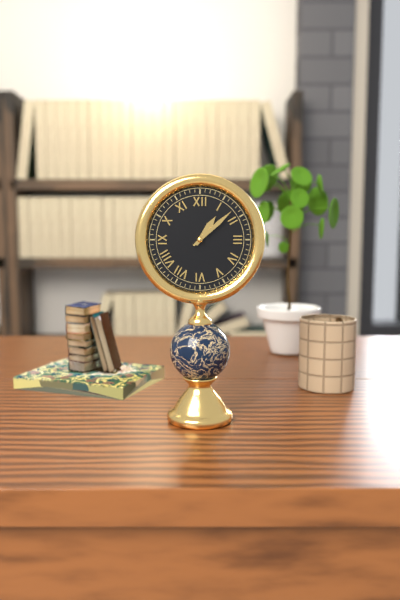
1.08
